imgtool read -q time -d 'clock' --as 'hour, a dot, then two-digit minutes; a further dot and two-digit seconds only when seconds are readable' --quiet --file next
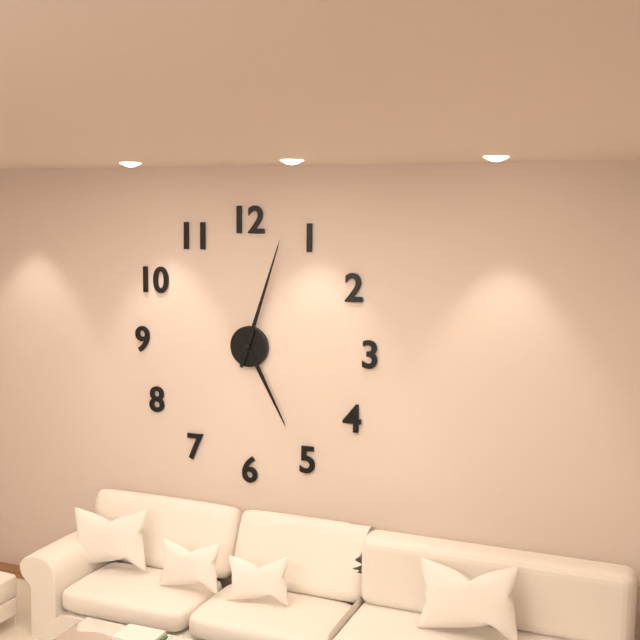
5.03
